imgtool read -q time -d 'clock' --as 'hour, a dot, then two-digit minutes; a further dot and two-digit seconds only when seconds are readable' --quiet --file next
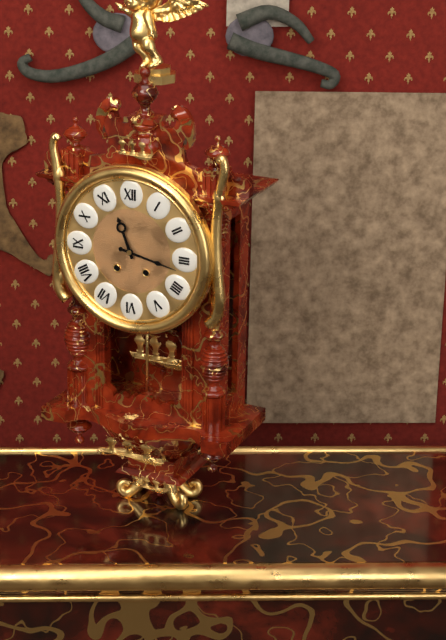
11.17
